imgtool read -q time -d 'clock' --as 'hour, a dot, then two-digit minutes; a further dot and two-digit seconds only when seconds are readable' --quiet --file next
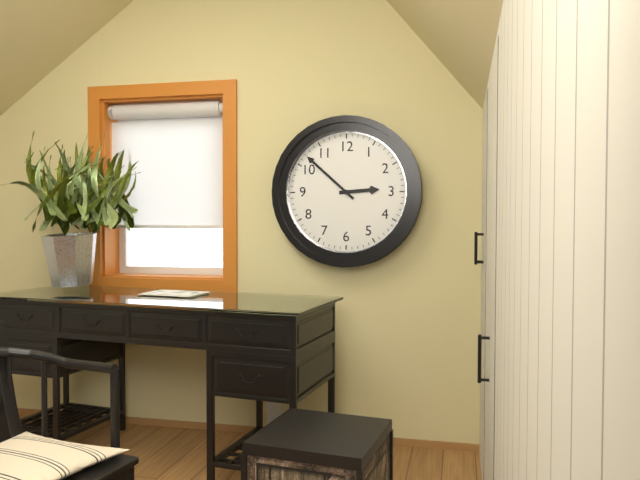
2.52
